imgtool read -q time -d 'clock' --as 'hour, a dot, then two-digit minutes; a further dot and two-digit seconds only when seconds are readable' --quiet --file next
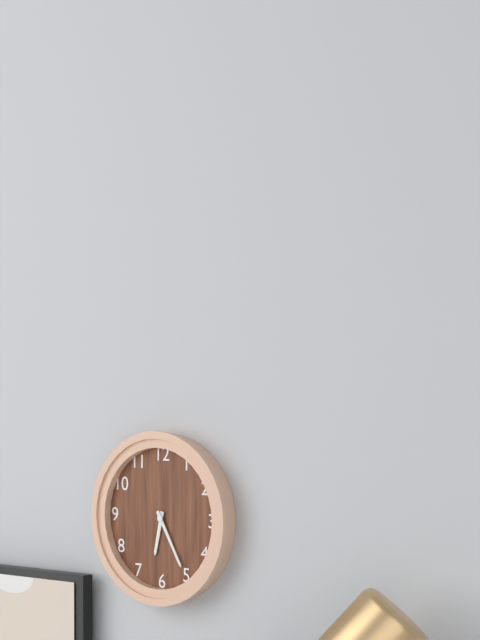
6.25
